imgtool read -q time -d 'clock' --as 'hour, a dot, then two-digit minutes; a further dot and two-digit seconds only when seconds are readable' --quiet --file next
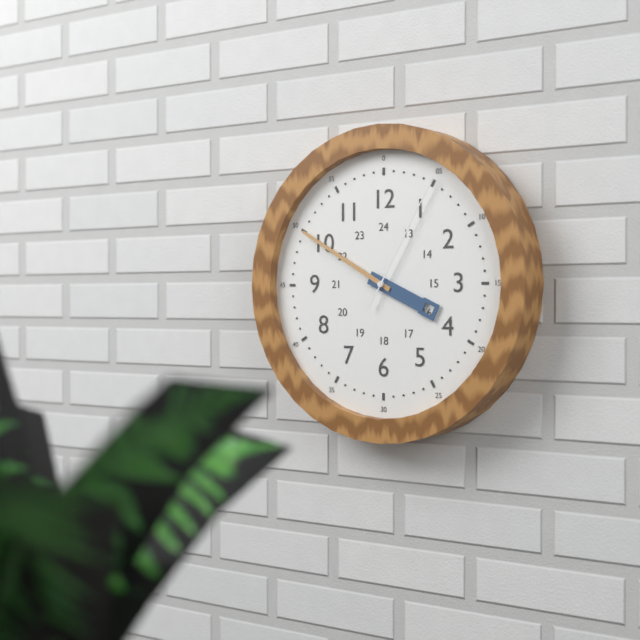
3.50.05
